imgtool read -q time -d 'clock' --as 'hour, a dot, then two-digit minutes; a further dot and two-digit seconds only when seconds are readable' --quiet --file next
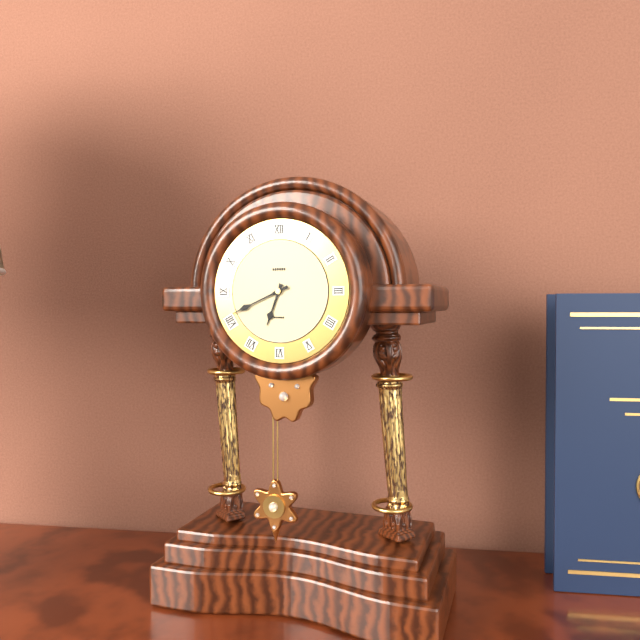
6.41
